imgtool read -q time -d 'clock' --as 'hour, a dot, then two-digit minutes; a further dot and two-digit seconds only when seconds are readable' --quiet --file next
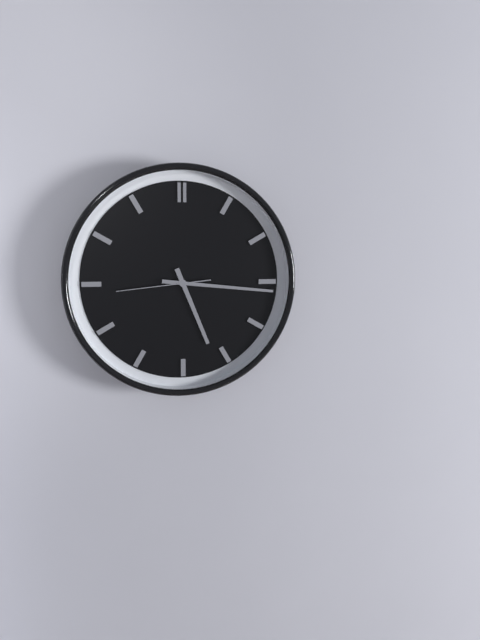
5.16.44
